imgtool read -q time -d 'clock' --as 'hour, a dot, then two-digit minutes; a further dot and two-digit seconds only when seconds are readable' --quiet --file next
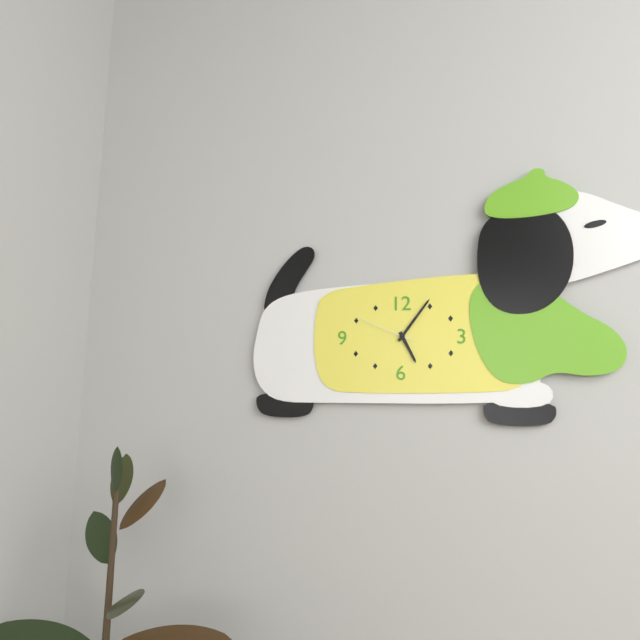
5.06.49
